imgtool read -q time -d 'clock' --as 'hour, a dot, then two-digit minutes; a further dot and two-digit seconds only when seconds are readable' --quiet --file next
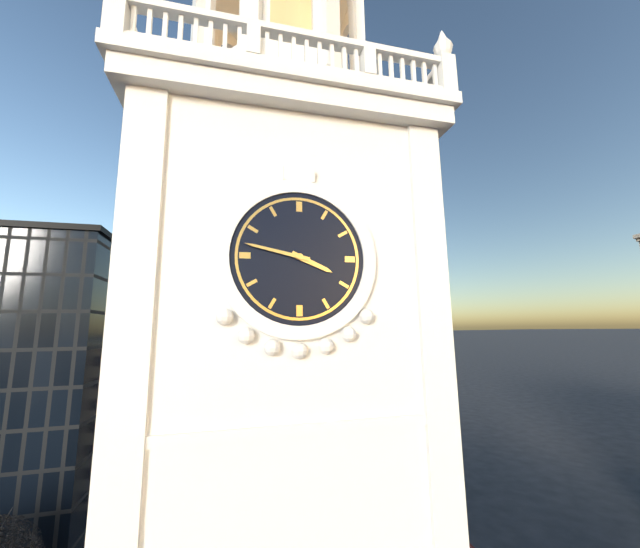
3.47
